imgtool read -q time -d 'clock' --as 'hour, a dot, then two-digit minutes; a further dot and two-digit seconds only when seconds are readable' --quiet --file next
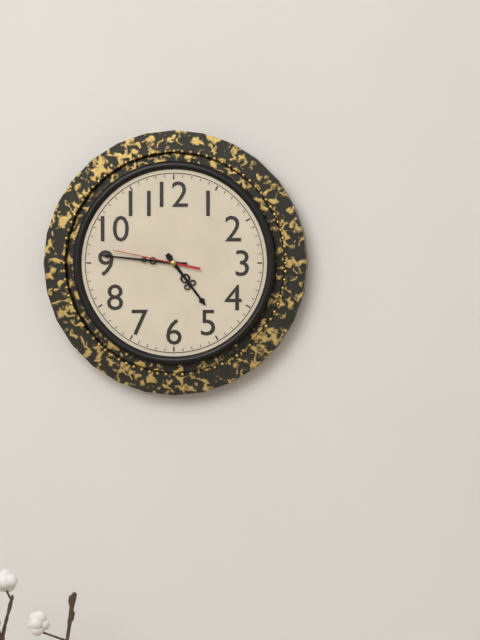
4.46.47
